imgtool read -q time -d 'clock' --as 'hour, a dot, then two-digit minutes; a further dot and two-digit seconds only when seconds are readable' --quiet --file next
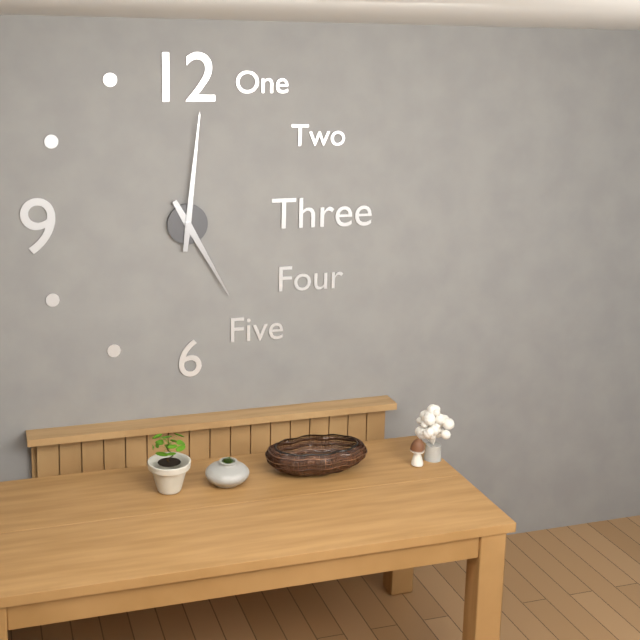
5.01
